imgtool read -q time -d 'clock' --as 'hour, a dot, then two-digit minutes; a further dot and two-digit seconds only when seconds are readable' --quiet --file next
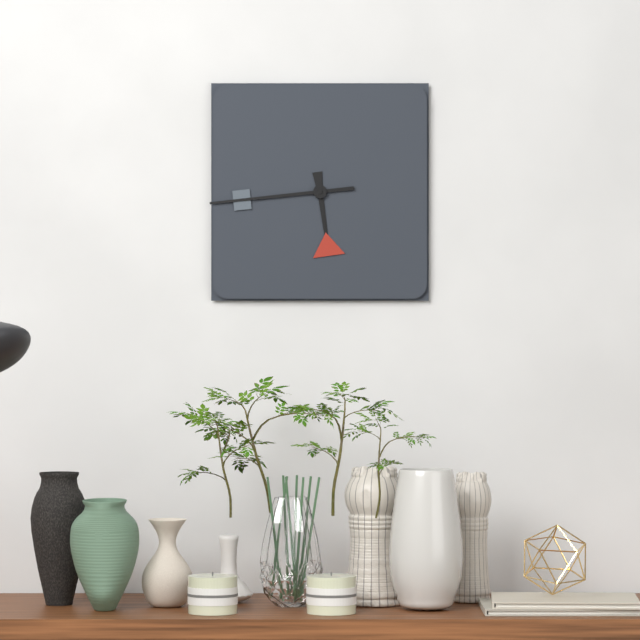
5.44
